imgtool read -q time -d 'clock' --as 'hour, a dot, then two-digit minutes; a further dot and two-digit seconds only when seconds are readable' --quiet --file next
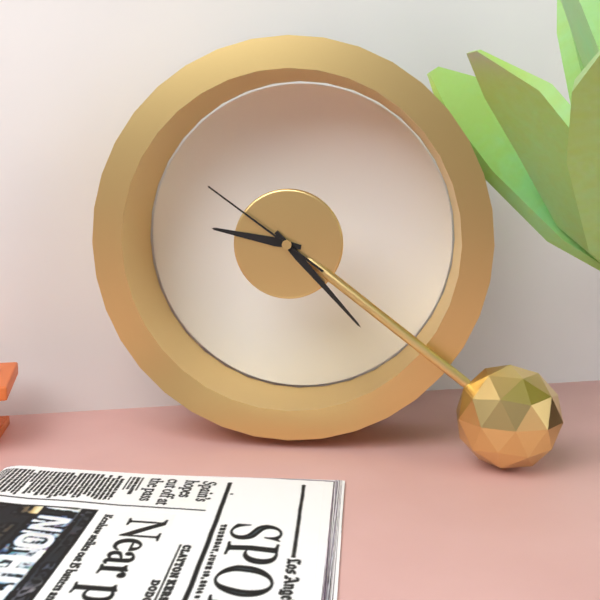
9.23.51
